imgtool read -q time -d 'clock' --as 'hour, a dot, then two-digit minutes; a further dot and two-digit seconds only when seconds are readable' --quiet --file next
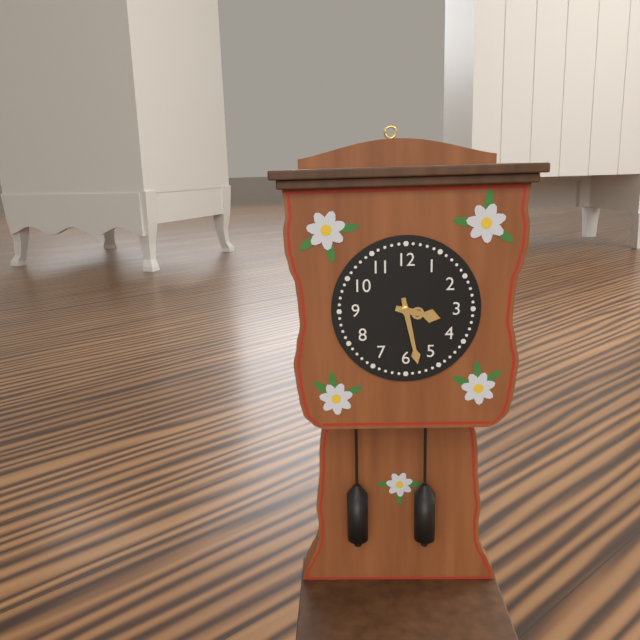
3.28
